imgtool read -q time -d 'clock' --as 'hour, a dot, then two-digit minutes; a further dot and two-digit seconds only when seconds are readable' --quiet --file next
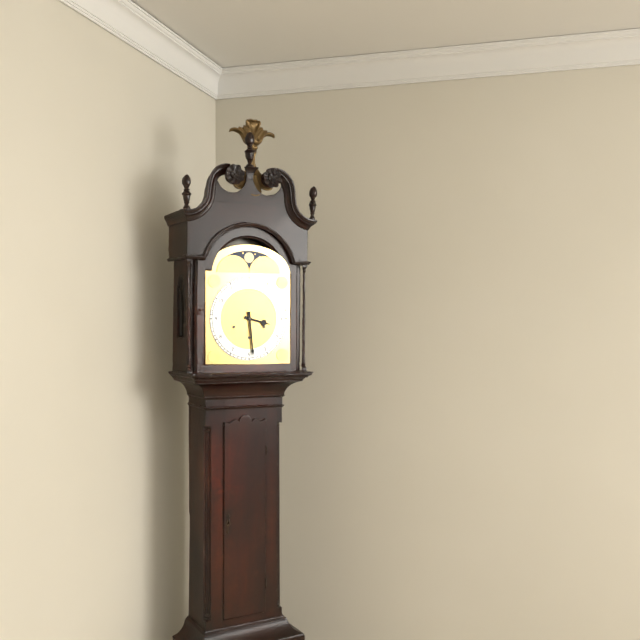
3.29
